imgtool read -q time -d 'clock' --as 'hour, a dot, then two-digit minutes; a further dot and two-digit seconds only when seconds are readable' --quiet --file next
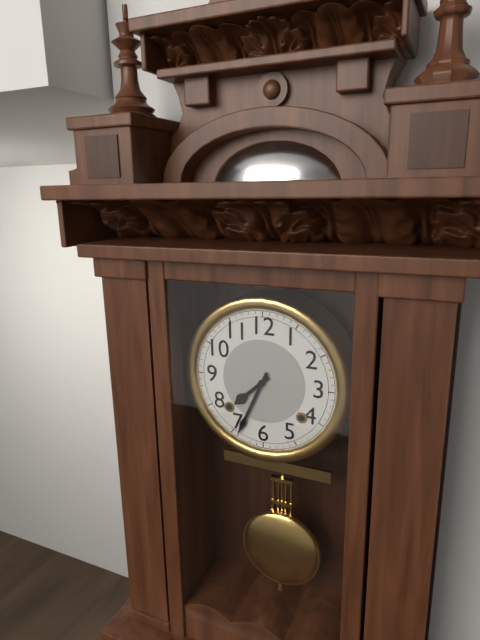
7.34
